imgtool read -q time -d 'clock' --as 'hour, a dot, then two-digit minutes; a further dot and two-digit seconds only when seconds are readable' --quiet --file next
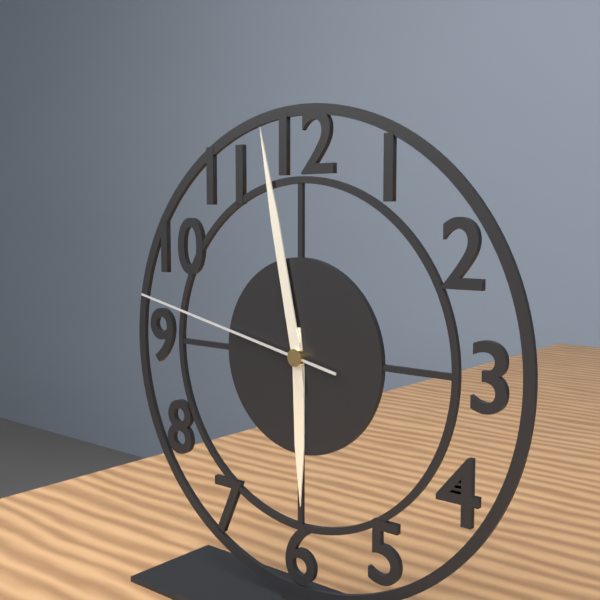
5.58.47
